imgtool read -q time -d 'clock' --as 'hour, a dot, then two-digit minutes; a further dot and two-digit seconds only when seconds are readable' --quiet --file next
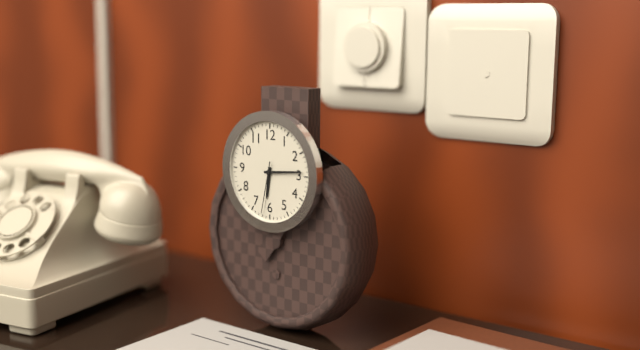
6.14.32
